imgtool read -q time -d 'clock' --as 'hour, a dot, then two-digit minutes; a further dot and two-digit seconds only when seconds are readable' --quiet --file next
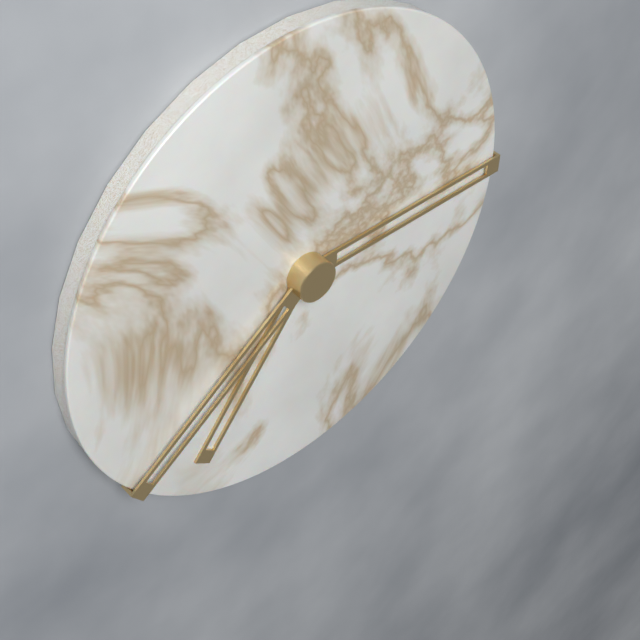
7.15.39
